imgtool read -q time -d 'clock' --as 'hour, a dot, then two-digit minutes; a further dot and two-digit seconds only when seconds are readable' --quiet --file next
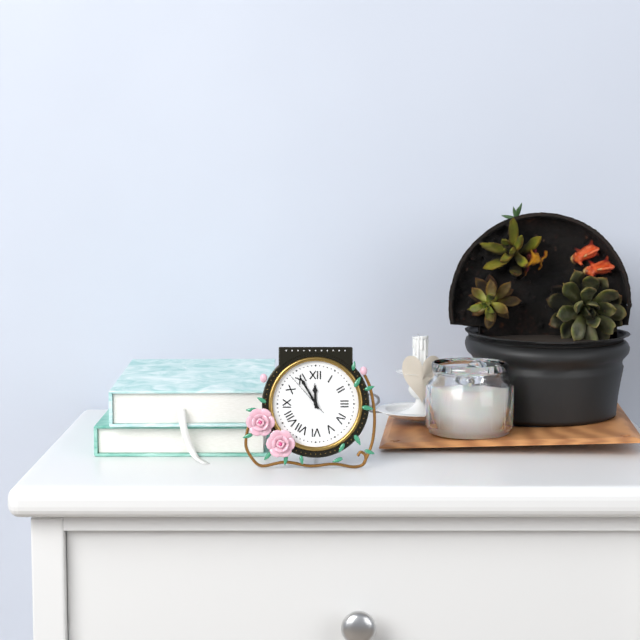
11.55
